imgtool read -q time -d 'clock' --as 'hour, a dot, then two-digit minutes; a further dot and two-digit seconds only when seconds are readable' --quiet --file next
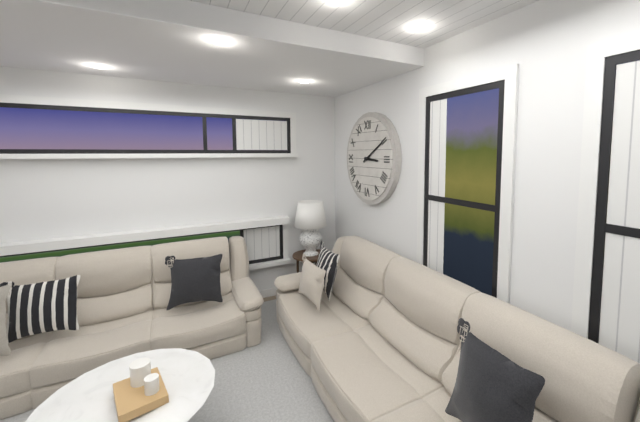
3.10
